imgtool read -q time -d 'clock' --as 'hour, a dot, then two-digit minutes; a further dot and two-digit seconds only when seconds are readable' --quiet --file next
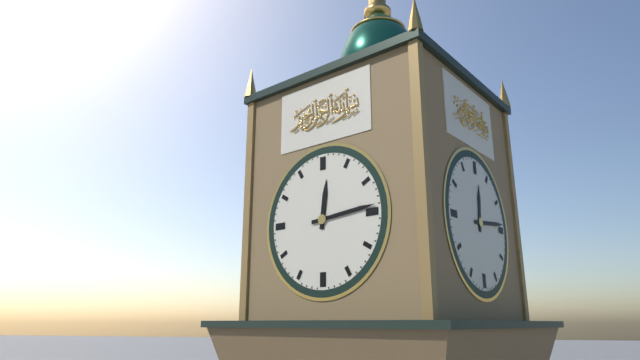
12.14
